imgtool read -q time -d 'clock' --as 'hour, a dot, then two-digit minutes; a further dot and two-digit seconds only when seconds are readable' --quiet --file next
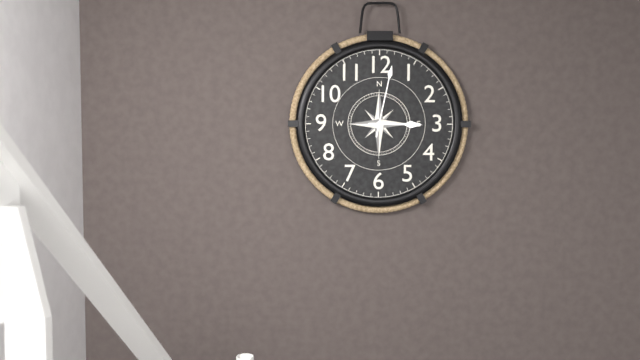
3.02
